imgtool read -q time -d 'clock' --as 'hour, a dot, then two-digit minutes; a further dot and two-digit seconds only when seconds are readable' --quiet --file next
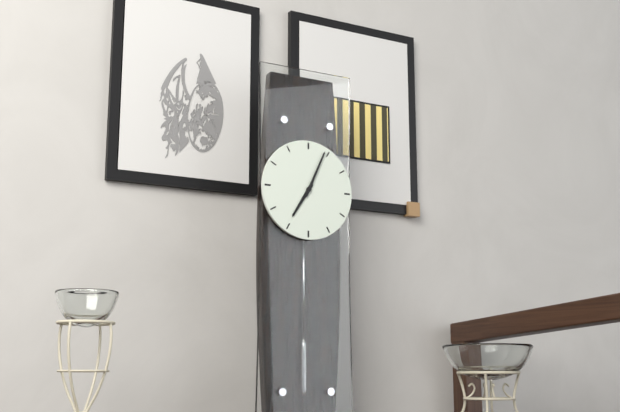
7.04
